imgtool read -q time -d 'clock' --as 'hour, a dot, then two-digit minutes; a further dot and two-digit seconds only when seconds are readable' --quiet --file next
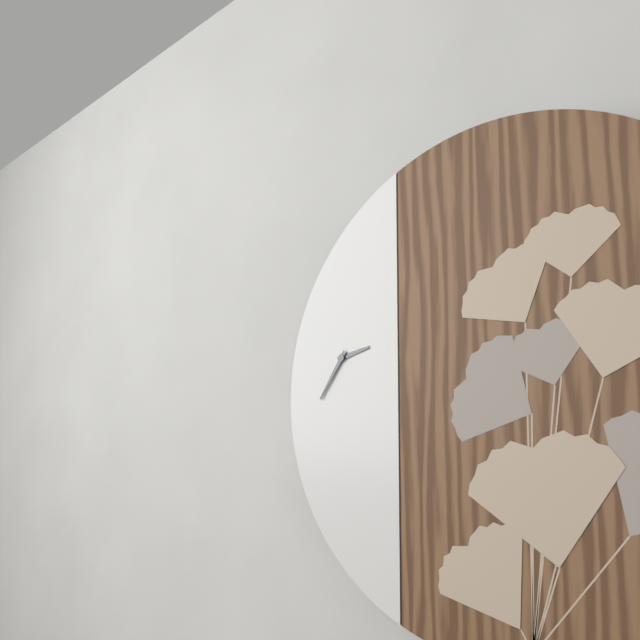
2.36
